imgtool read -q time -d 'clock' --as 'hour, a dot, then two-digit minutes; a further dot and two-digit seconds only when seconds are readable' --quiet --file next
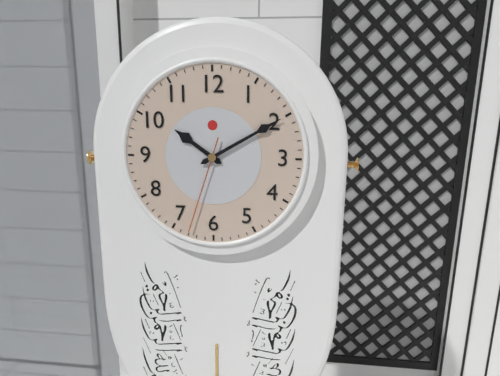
10.10.33
